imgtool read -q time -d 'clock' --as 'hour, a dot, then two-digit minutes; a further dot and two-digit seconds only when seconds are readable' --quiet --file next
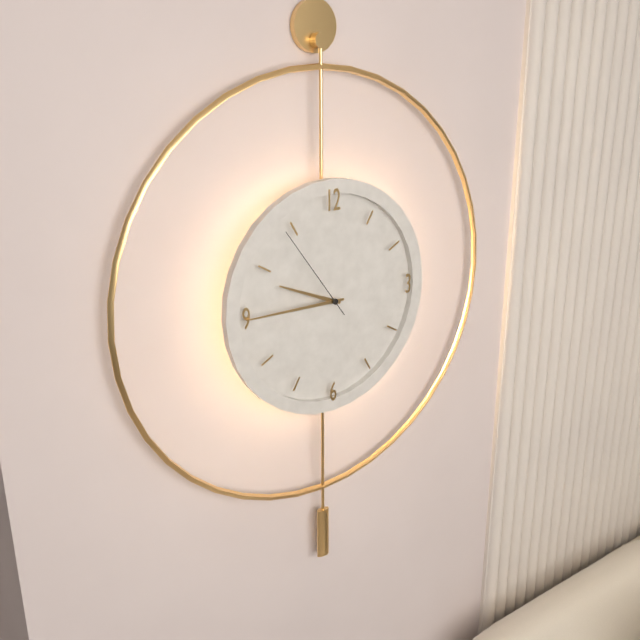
9.45.54
